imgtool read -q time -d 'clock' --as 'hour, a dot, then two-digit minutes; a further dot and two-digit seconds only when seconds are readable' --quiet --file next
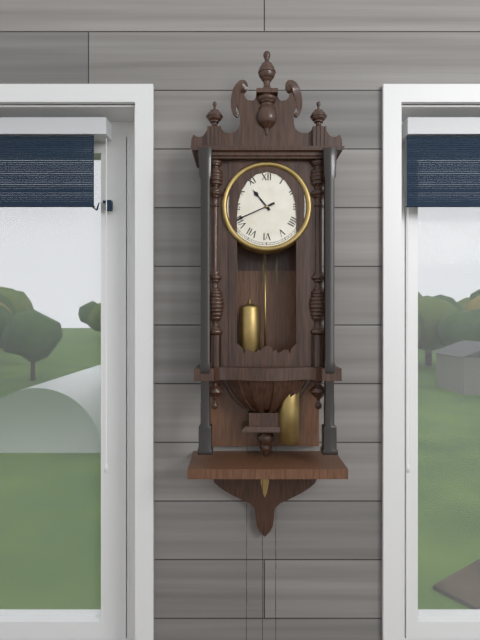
10.41
